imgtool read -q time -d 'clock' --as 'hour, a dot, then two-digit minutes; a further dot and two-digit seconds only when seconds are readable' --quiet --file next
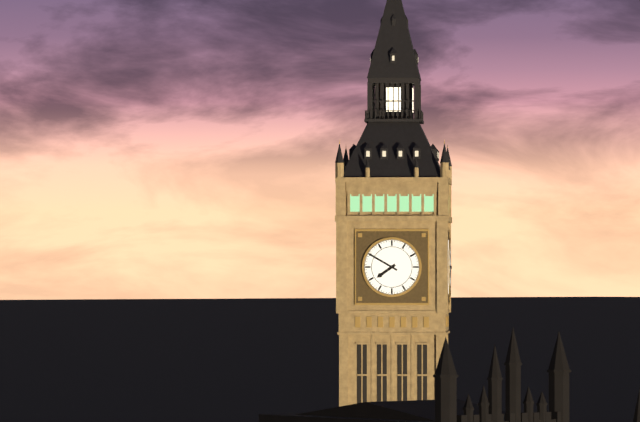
7.50
